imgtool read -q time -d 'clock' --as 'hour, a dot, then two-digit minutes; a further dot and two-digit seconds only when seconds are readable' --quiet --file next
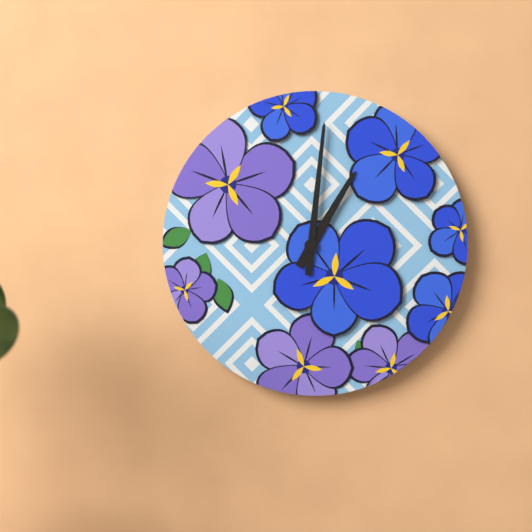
1.01
